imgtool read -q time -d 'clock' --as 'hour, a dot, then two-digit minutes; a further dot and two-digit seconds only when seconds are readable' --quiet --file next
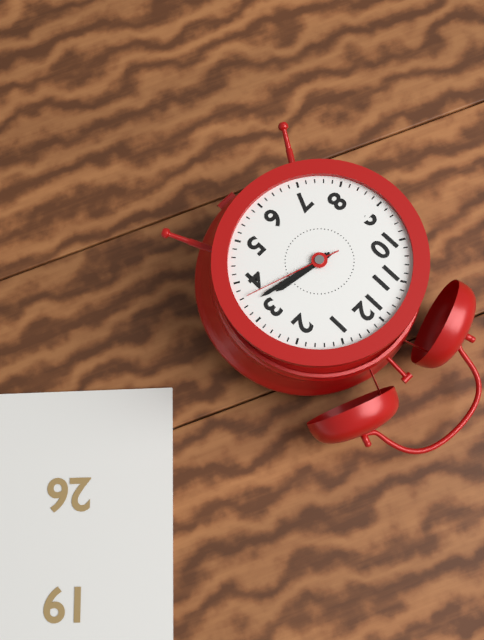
3.17.18
